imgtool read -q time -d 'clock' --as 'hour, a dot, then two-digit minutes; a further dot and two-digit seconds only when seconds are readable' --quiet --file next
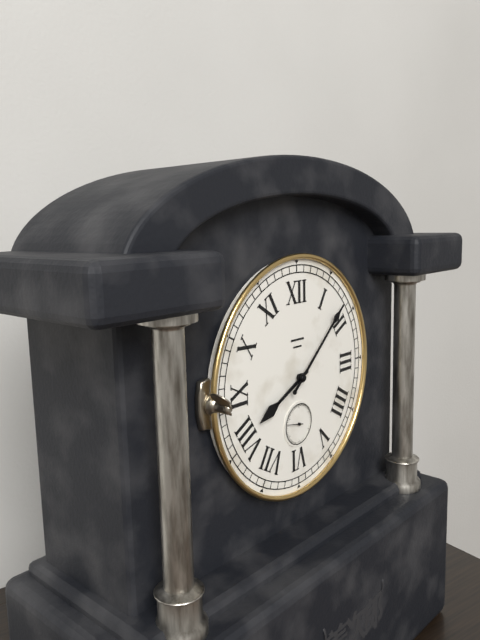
8.08
